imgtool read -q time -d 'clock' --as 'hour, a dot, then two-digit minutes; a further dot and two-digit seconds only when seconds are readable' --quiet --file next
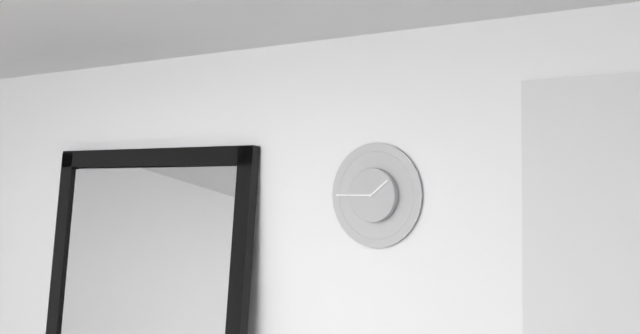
1.45
